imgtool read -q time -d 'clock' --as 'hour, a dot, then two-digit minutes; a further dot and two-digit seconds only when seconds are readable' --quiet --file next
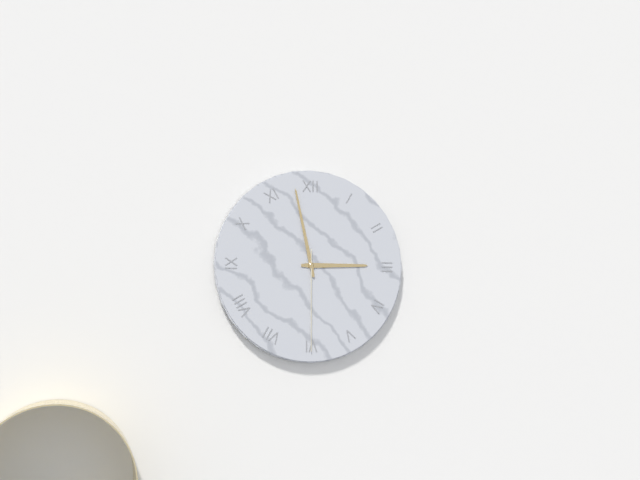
2.58.30
